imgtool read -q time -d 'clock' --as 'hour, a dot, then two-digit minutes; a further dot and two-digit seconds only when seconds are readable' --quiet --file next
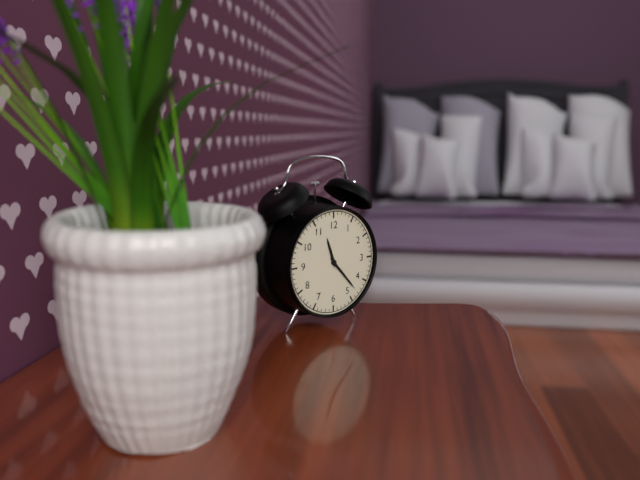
11.23
